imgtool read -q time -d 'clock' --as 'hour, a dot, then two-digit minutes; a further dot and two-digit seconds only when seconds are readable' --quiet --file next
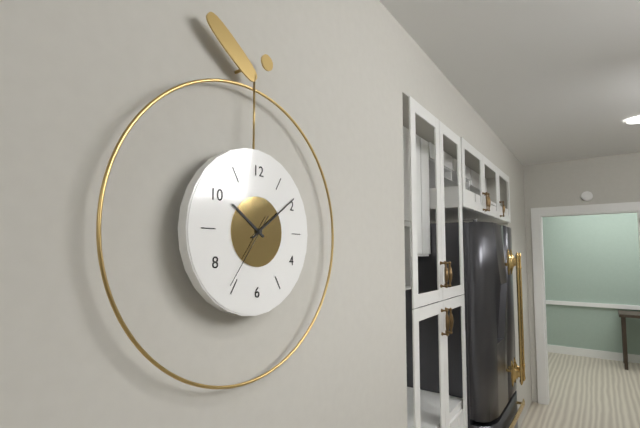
10.09.36
